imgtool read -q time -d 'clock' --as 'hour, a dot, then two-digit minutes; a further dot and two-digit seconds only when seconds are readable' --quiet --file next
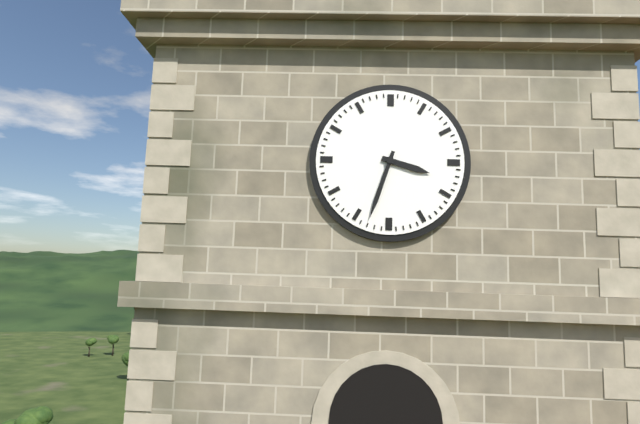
3.33
